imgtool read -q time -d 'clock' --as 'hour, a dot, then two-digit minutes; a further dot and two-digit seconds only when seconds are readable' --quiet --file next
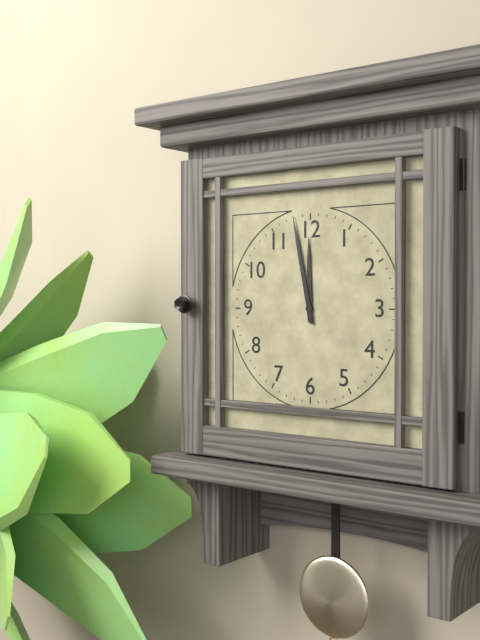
11.58
